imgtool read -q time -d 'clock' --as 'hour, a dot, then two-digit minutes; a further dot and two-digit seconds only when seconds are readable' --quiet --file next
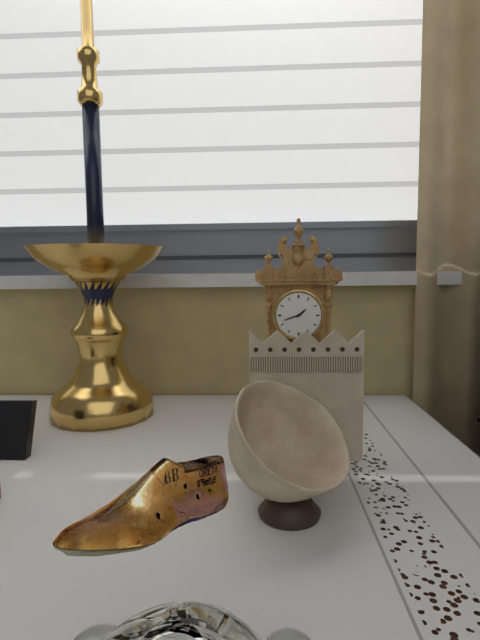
1.42
